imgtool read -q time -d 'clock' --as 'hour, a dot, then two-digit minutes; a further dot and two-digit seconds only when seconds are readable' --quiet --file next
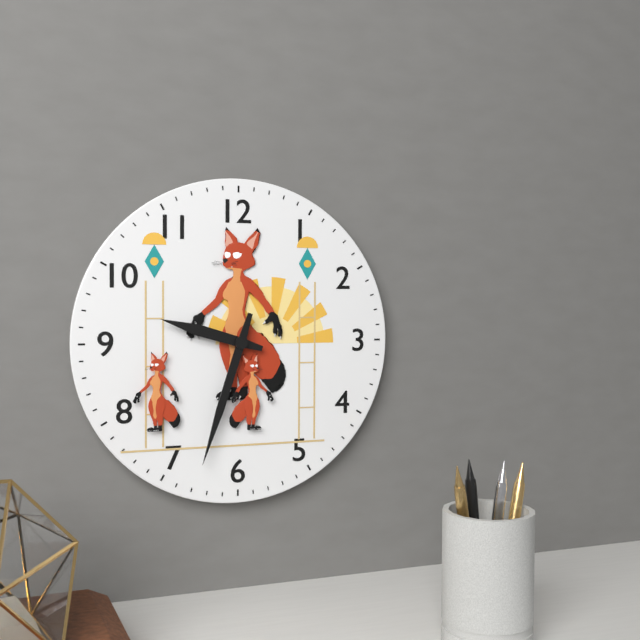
9.33
